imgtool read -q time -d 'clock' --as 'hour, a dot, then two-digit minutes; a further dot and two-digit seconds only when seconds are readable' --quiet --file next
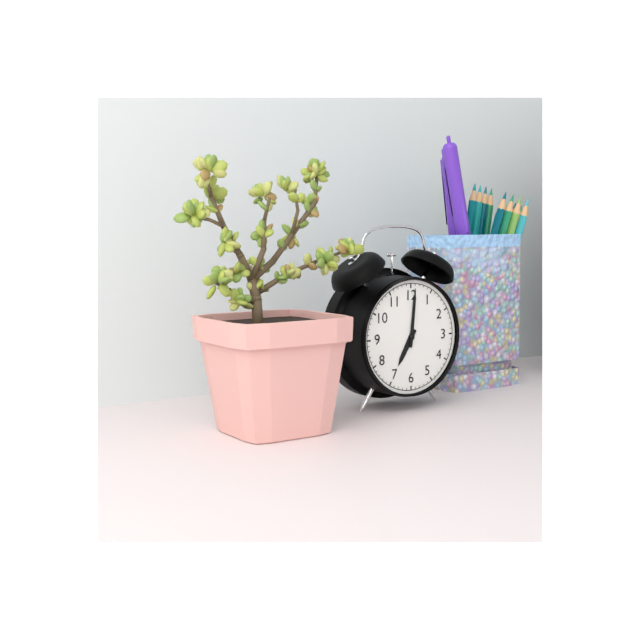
7.01
